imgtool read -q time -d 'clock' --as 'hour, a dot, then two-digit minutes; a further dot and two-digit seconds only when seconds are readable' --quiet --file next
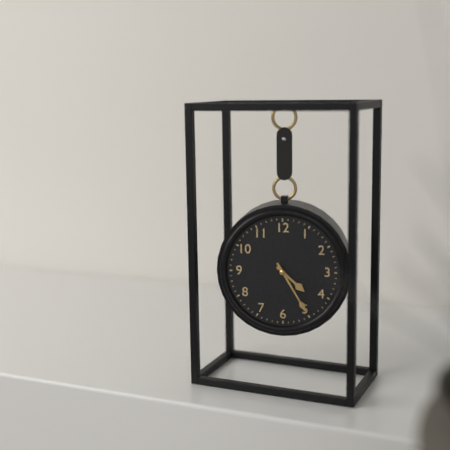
4.25
